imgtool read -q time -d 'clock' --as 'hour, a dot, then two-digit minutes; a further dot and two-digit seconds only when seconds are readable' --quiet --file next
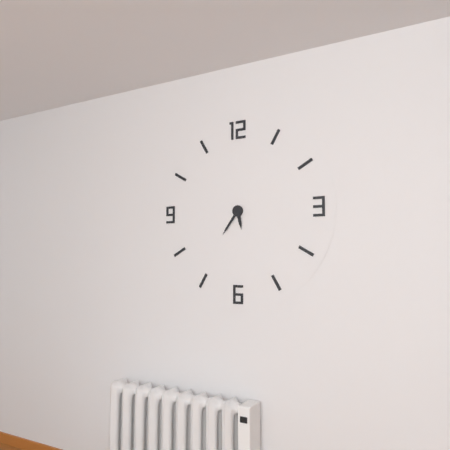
5.36
